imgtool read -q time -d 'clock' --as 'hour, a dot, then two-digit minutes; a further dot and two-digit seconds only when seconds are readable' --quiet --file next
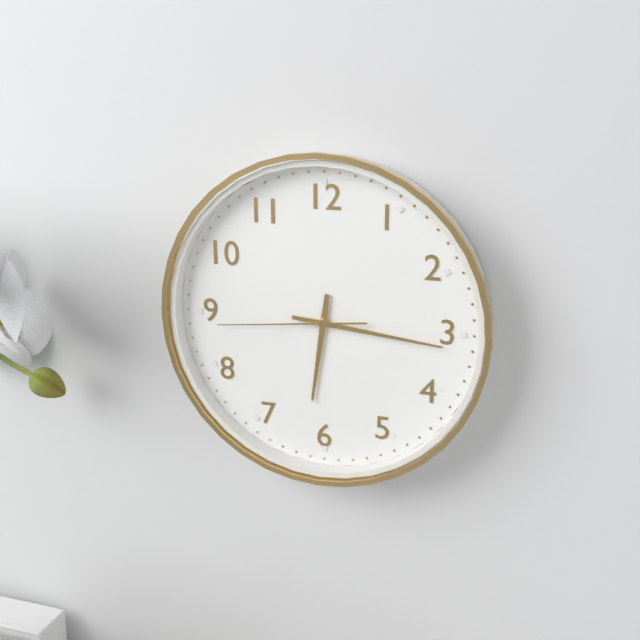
6.16.44
